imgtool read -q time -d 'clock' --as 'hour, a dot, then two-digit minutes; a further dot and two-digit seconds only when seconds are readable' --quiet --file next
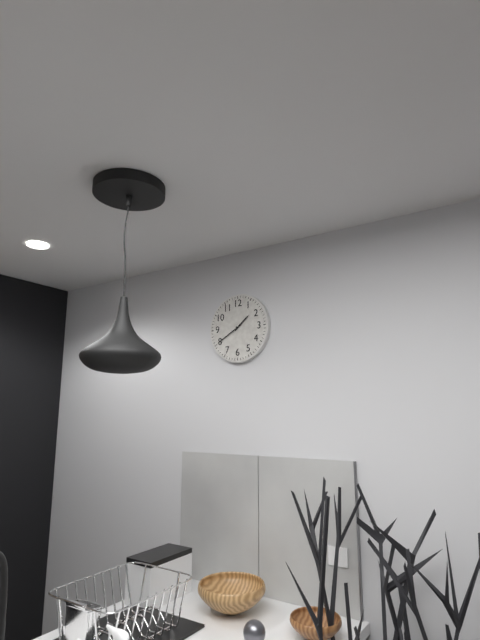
1.40
